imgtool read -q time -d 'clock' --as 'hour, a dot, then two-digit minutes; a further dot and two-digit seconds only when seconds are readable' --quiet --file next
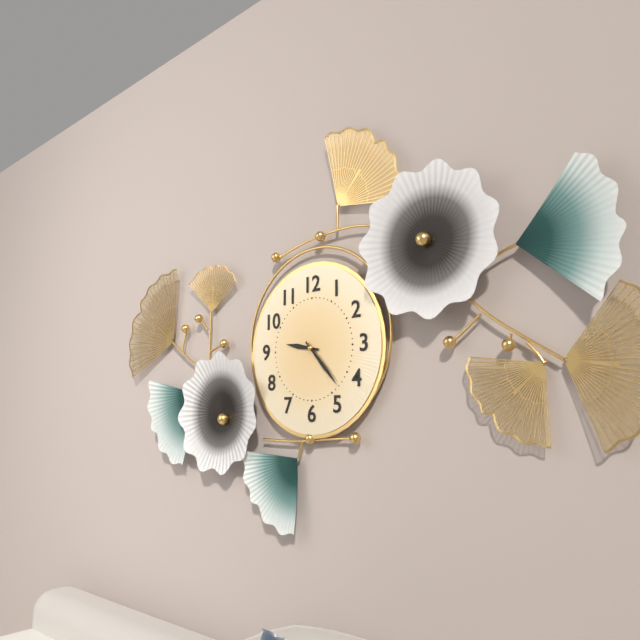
9.23
